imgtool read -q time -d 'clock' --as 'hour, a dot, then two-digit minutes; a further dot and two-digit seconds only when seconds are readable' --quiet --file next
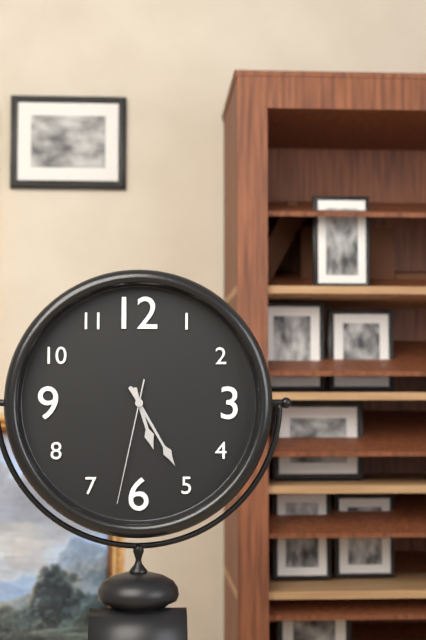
5.25.32
